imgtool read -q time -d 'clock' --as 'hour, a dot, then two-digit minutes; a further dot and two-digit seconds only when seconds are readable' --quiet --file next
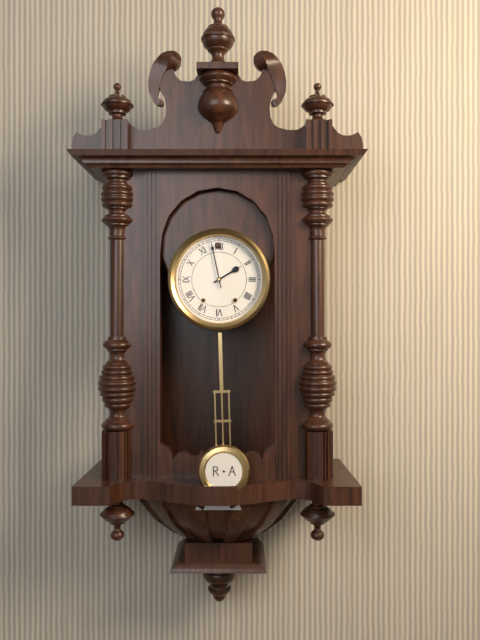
1.58
